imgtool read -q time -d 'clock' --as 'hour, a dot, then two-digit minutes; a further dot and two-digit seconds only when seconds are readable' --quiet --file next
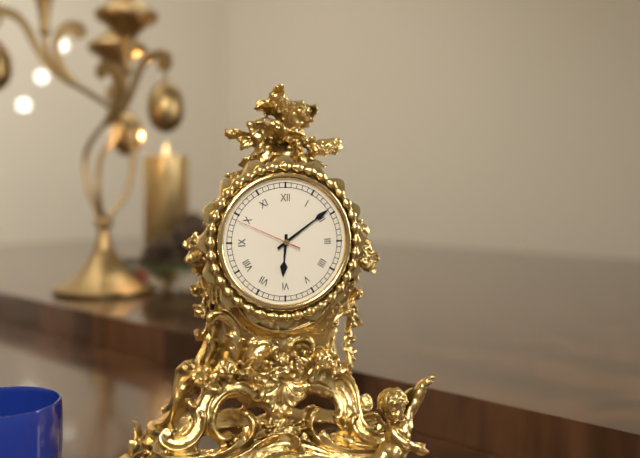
6.09.49
